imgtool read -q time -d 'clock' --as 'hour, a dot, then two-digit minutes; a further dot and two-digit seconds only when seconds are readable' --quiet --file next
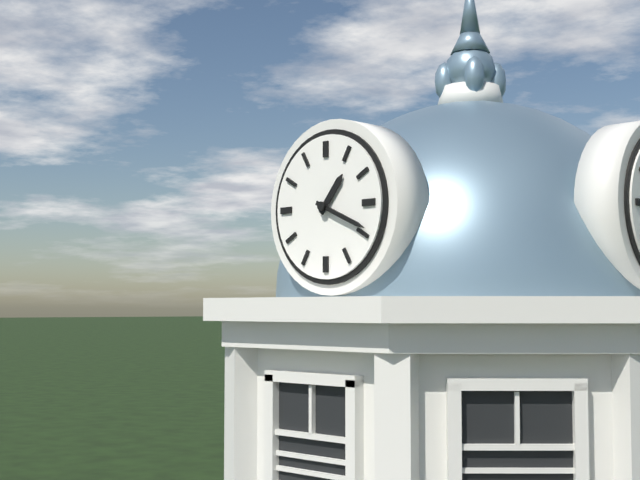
1.19
